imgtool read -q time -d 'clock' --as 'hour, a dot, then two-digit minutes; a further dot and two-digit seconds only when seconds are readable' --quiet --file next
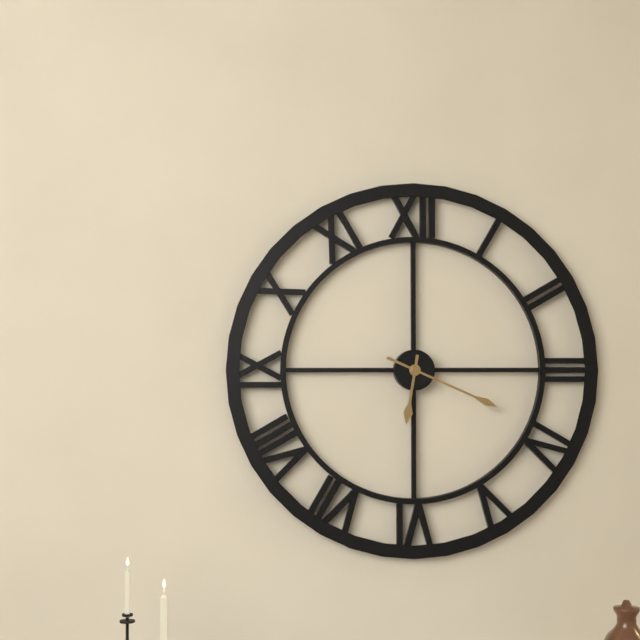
6.19
